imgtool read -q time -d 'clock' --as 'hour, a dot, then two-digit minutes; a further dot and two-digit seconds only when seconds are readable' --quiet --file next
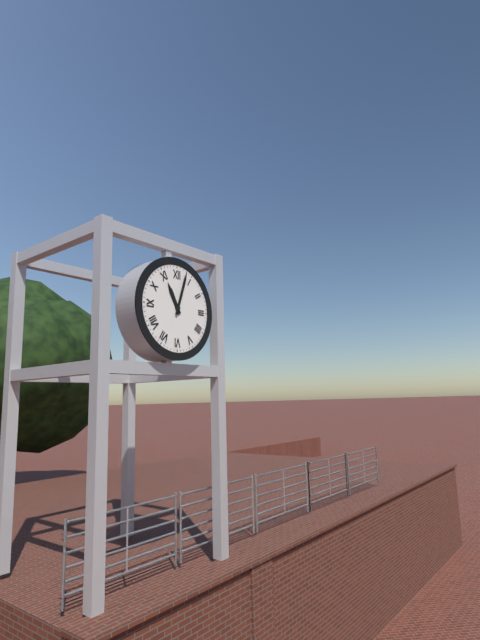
11.03
